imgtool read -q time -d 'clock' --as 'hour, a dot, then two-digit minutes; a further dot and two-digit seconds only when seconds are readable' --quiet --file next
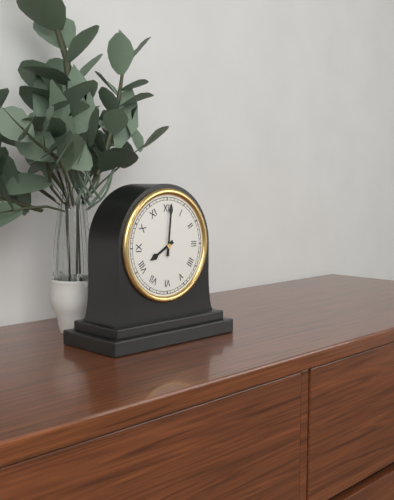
8.01
